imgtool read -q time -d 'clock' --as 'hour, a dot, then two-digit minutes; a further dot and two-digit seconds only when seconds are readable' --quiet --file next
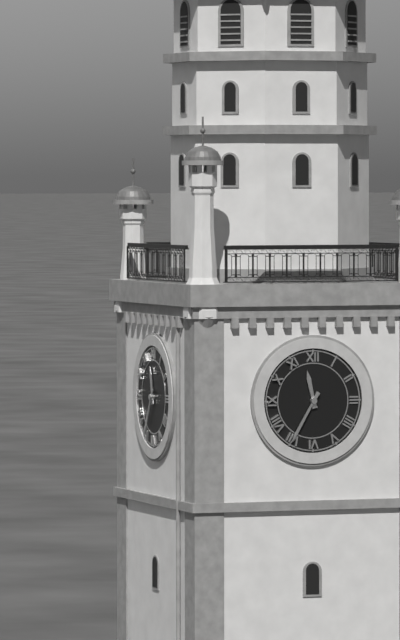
11.35
